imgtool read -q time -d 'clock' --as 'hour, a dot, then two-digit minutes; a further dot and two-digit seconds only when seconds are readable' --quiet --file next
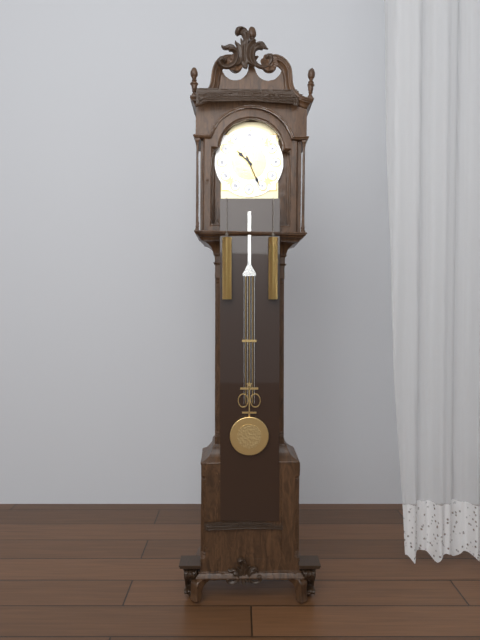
10.26
